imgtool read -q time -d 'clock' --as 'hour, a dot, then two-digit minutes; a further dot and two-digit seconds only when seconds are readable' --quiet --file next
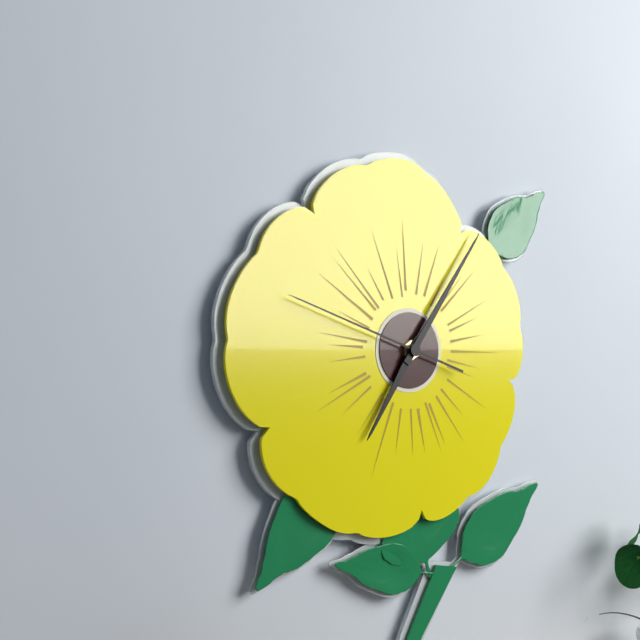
7.06.48
